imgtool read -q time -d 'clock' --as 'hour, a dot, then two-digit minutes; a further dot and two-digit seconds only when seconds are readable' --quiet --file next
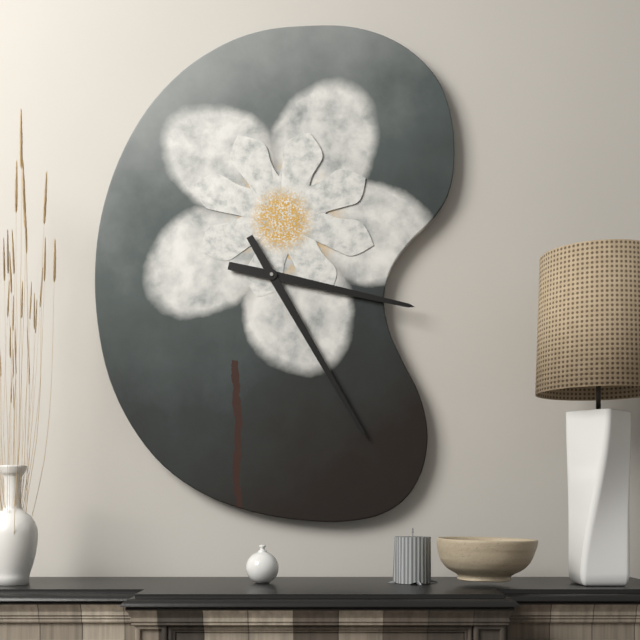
3.25
